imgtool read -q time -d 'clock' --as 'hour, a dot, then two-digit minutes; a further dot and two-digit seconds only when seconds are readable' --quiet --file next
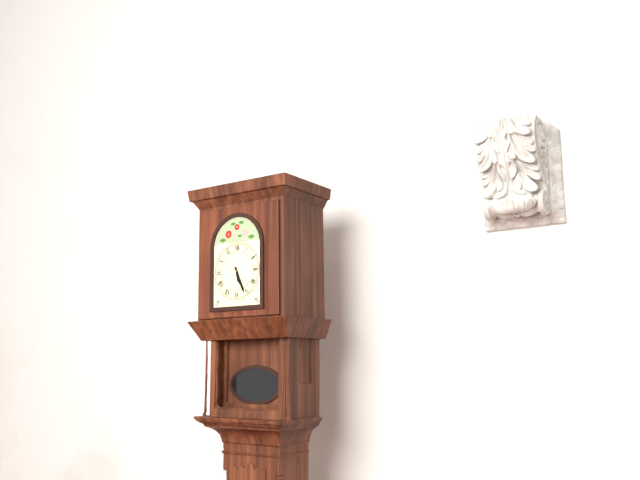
5.26
